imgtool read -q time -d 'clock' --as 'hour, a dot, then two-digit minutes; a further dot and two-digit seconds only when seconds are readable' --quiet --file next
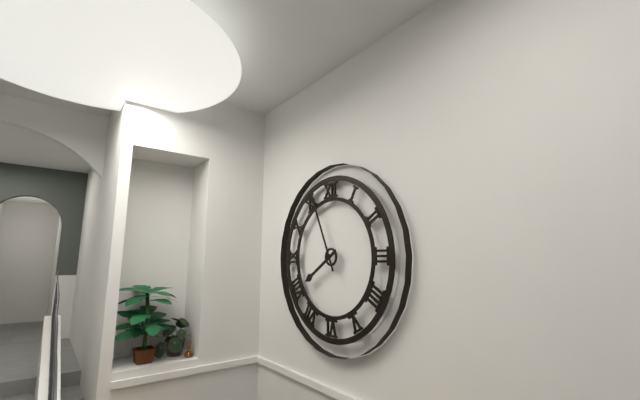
7.56
